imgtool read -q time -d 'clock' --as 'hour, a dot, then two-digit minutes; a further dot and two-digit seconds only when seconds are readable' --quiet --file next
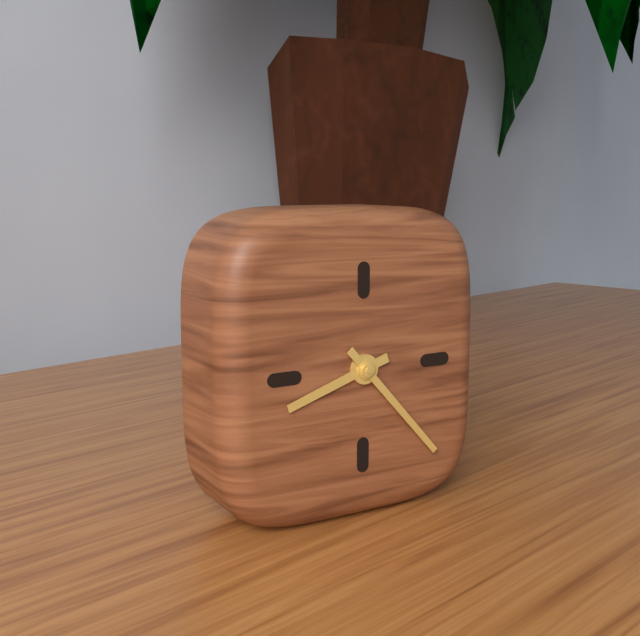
8.23
